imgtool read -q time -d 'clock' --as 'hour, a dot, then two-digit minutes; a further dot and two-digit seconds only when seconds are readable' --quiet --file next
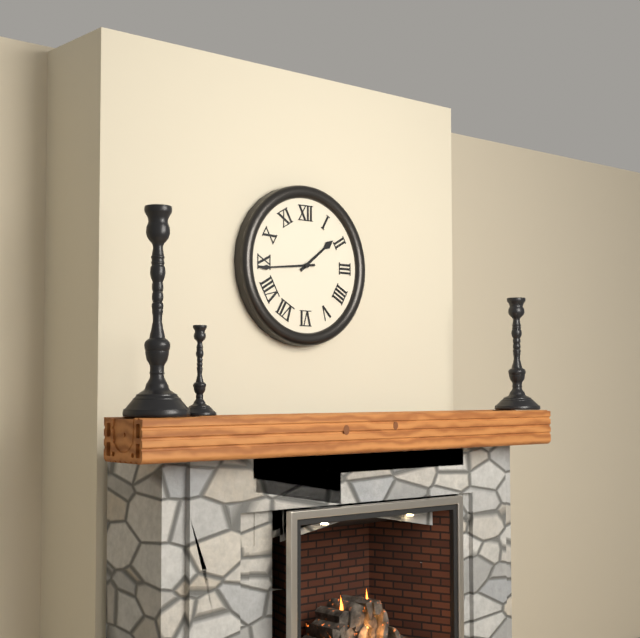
1.44
